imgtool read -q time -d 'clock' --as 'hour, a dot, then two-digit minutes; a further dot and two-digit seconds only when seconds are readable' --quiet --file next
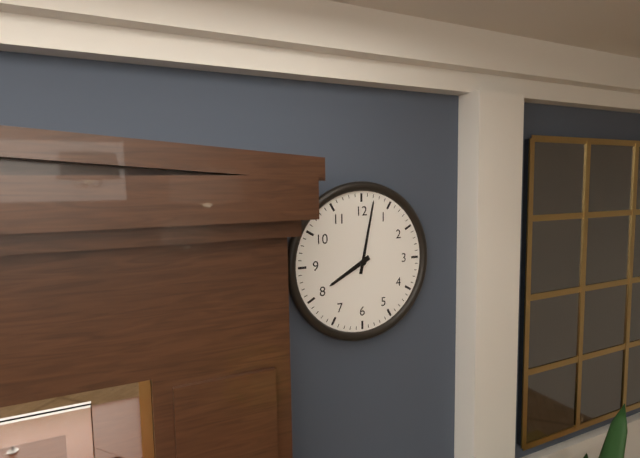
8.02
